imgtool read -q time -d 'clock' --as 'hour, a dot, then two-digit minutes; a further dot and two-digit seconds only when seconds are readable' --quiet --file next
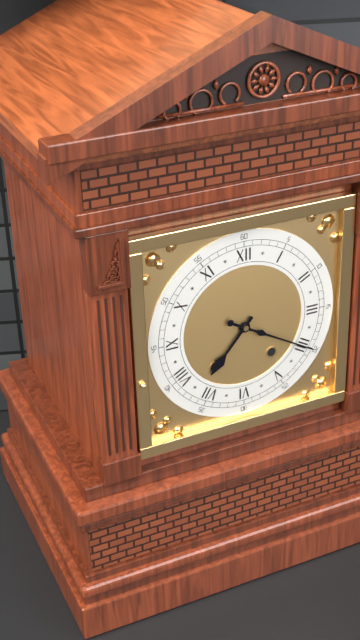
7.20
